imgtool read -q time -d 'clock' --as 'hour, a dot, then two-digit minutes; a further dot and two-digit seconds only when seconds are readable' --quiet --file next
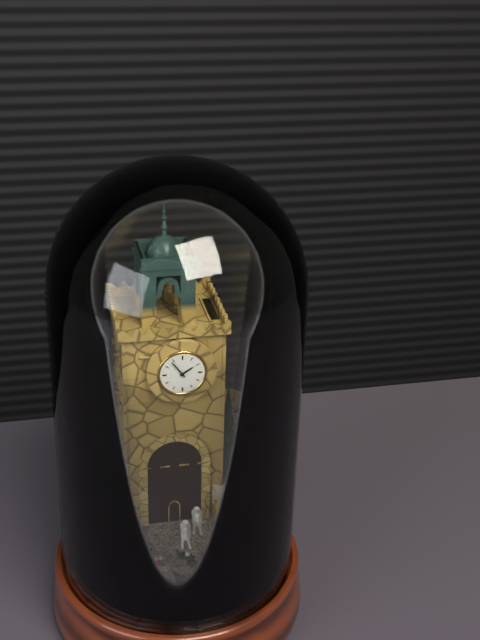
1.54
